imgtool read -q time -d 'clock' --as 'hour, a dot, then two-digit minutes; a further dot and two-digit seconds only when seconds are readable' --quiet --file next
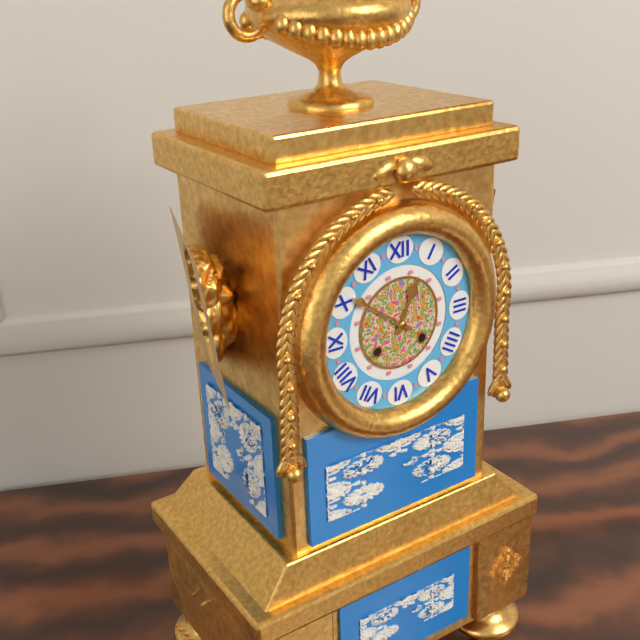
12.51
